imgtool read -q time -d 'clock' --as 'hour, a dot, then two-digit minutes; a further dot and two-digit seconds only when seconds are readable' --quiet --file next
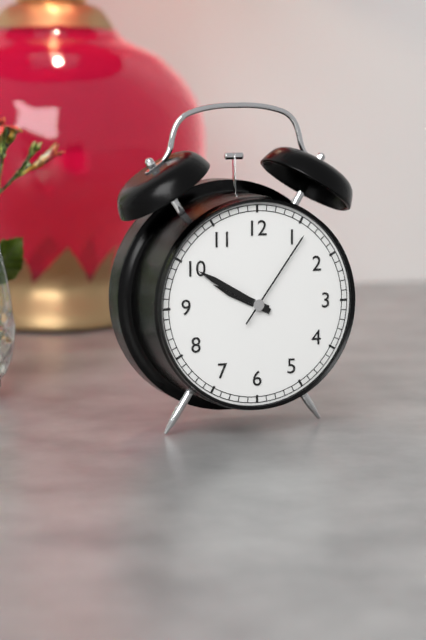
9.50.06
